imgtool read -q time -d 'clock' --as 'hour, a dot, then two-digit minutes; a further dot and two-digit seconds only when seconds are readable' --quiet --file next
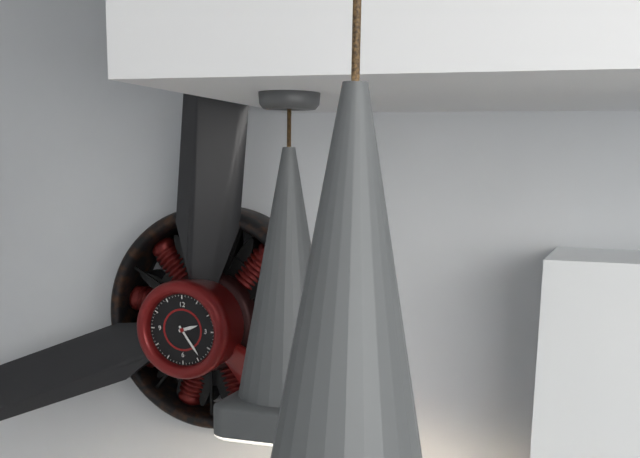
2.24
